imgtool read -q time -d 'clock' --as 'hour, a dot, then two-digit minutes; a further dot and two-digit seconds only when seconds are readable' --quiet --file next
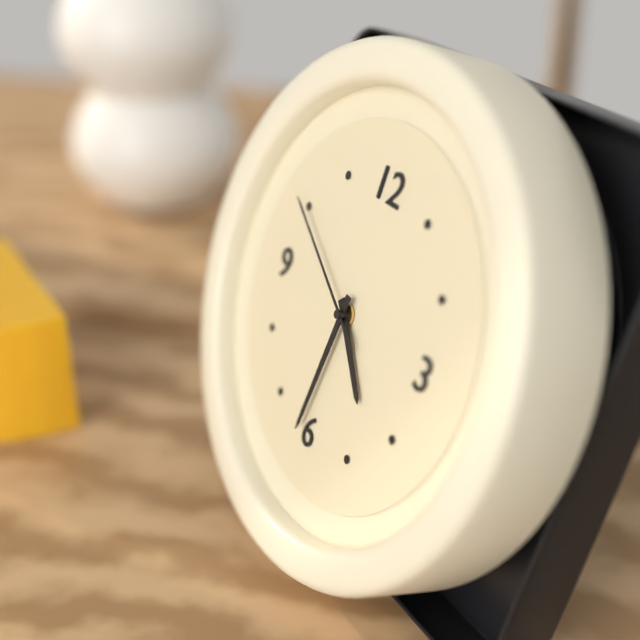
4.31.50
